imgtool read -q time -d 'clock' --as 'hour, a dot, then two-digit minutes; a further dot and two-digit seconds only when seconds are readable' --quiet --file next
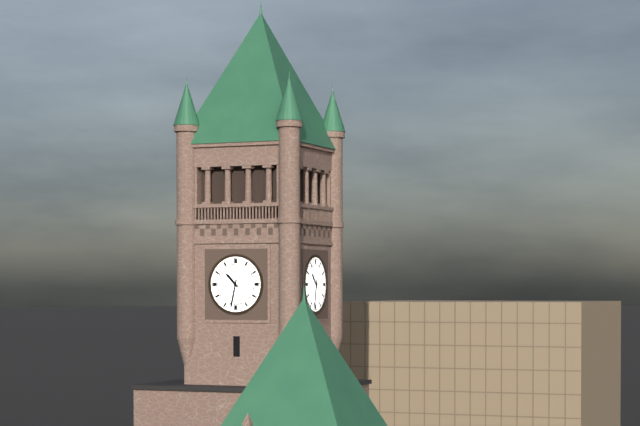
10.32
